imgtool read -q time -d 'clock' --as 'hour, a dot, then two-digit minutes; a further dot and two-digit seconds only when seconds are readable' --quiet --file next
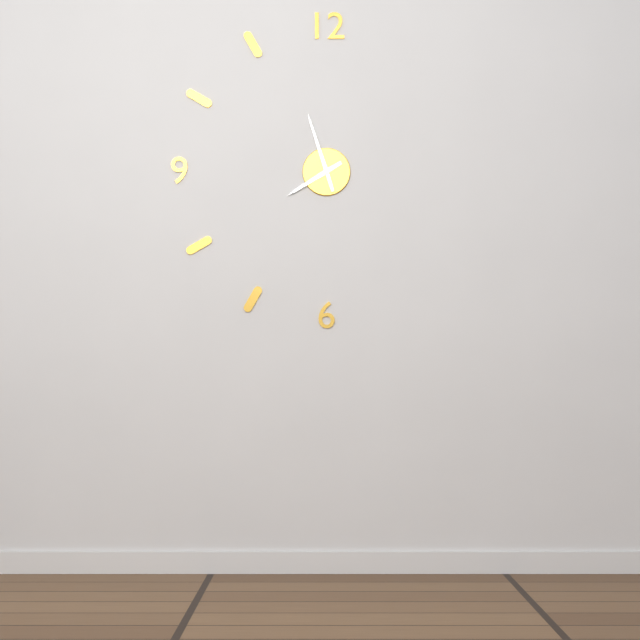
7.57
